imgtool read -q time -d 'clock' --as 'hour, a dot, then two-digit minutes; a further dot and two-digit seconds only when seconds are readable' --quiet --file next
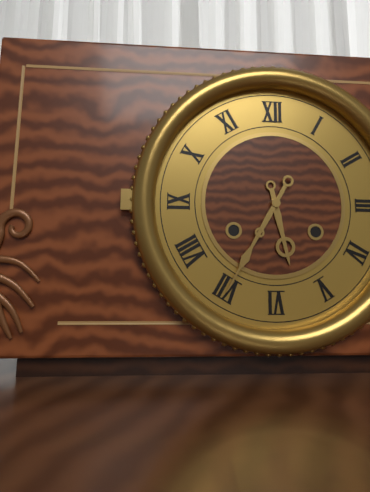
5.35
